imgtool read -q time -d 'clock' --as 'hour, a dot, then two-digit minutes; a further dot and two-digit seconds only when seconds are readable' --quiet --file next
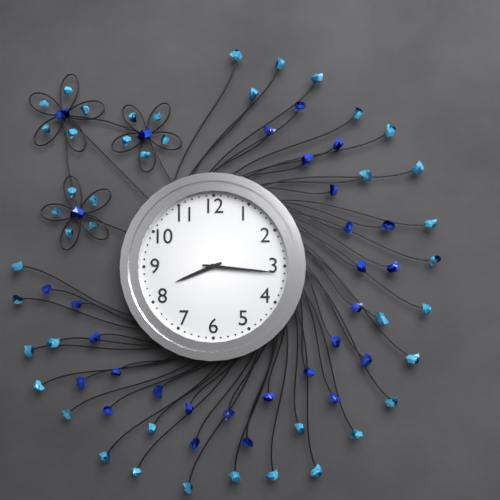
8.16
